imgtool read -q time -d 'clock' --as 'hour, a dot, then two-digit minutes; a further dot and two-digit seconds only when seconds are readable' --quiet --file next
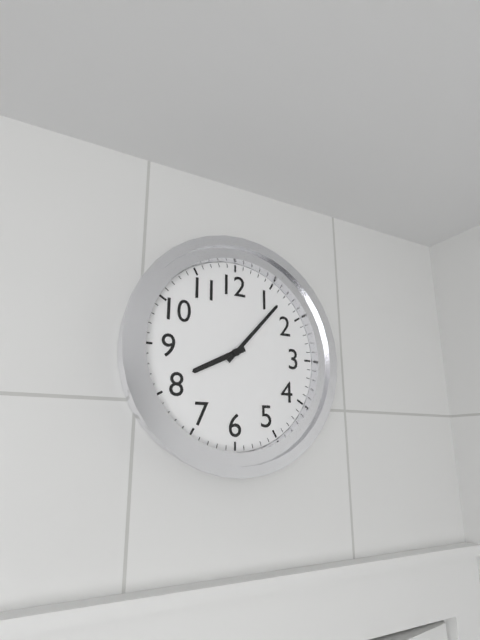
8.07
